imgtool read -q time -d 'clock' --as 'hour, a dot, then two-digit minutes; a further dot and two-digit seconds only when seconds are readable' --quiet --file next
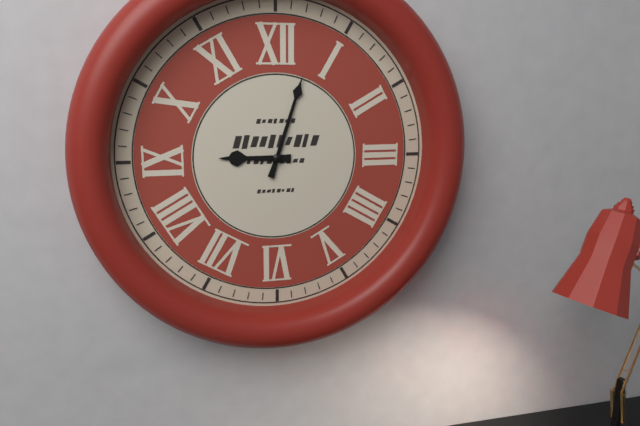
9.03
